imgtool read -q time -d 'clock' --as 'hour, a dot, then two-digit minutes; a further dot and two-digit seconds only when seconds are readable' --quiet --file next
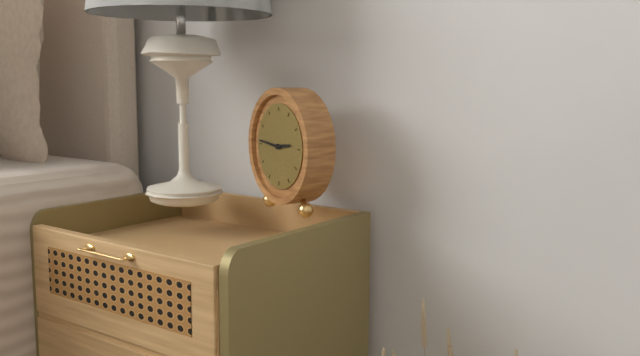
2.46
